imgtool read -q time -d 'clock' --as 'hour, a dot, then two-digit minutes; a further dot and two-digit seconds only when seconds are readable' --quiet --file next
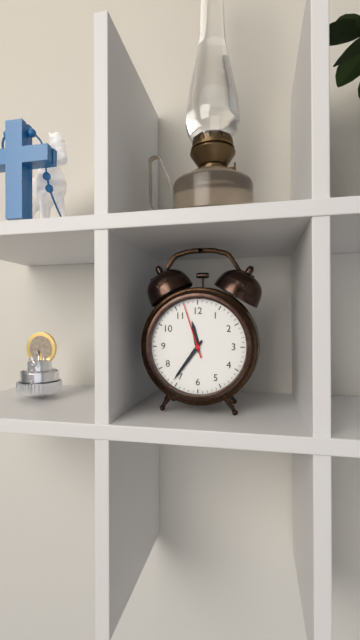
11.36.57
